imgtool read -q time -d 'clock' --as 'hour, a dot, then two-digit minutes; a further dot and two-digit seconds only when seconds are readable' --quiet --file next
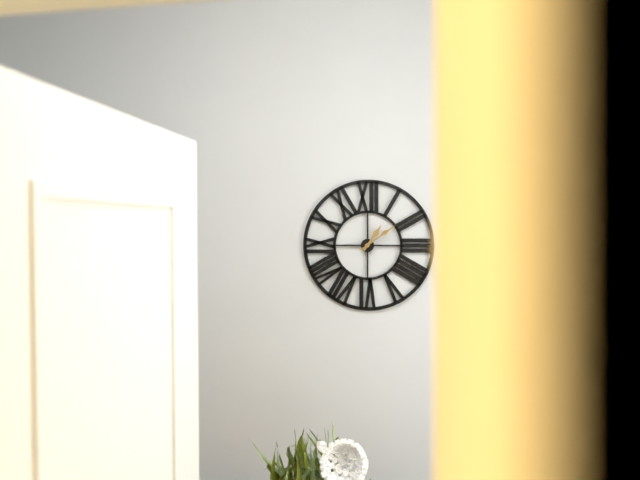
1.09
